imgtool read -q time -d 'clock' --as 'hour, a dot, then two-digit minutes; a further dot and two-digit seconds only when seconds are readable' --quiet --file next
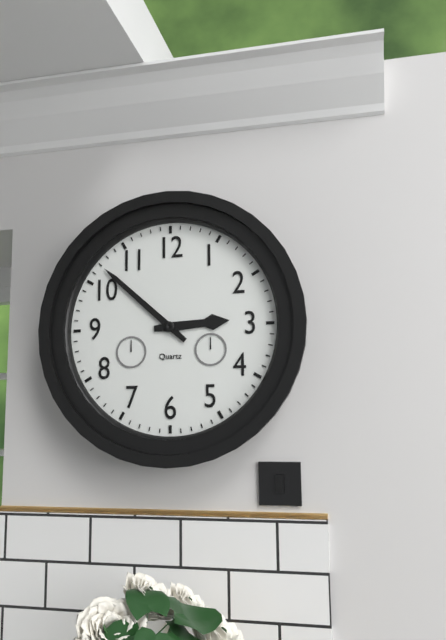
2.52
